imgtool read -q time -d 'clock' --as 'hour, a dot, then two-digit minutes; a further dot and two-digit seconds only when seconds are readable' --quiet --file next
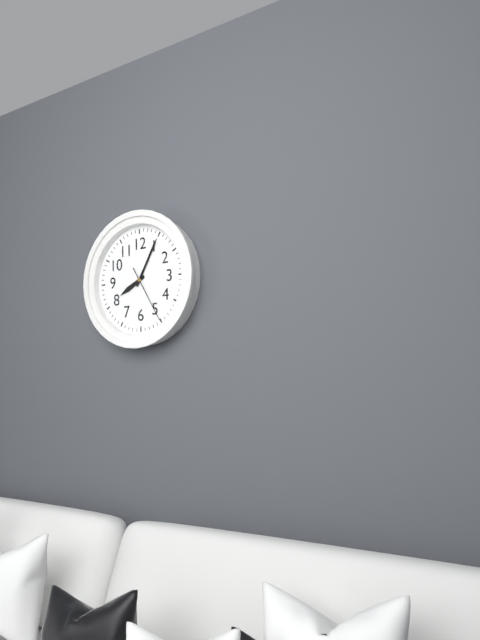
8.05.25
